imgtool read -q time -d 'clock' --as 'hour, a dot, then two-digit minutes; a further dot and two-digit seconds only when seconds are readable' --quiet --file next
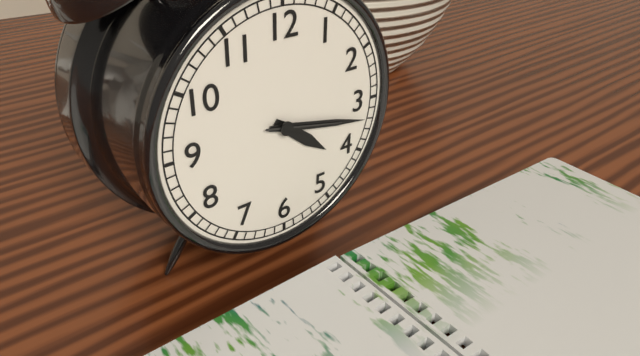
4.17.17
